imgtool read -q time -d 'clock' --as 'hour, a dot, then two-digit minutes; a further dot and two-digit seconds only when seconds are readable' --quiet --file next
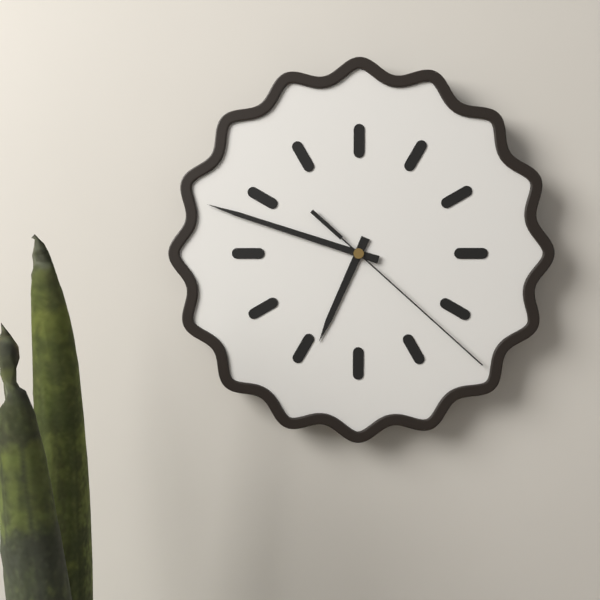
6.48.22
